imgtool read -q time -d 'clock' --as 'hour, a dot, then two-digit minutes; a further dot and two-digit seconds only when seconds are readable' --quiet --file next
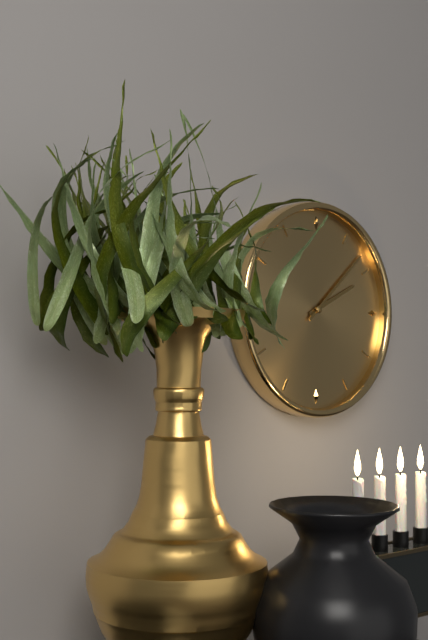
2.08
